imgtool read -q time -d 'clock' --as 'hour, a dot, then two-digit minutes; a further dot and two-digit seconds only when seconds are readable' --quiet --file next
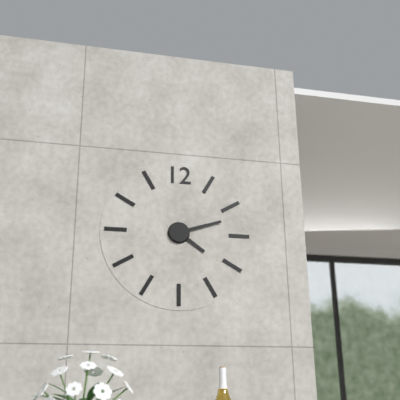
4.12
